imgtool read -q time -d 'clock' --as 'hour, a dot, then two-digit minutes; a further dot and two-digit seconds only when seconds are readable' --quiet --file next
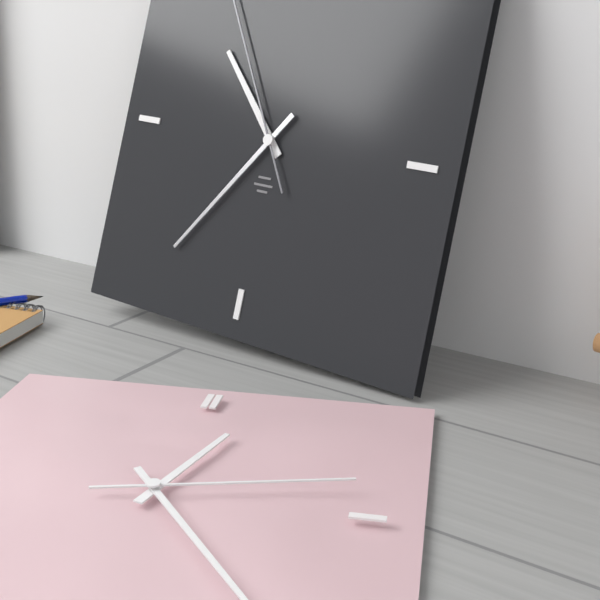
10.36
